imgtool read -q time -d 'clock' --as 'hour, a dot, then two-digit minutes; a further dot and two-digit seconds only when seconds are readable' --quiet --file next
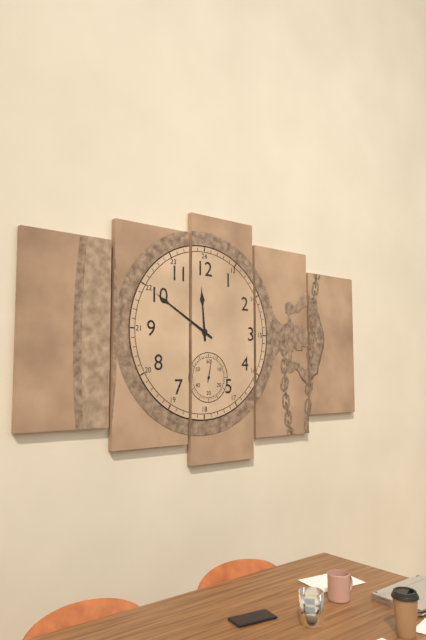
11.50
